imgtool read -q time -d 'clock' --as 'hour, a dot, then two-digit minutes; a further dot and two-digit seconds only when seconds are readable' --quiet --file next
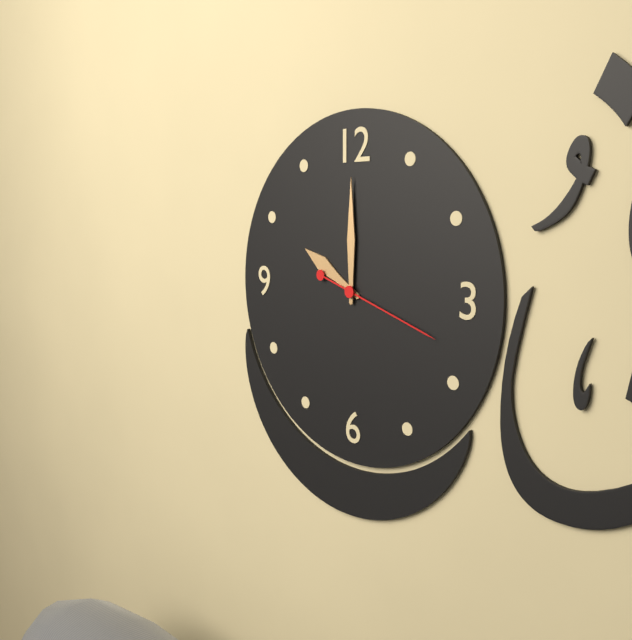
10.00.18
